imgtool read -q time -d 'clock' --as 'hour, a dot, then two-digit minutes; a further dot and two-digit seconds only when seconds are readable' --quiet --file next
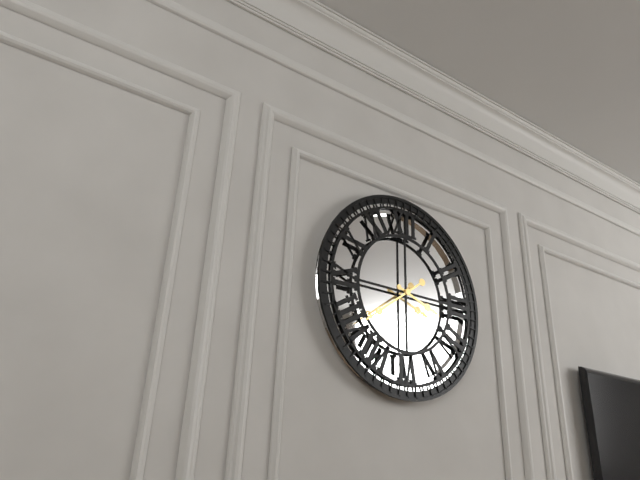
3.39
